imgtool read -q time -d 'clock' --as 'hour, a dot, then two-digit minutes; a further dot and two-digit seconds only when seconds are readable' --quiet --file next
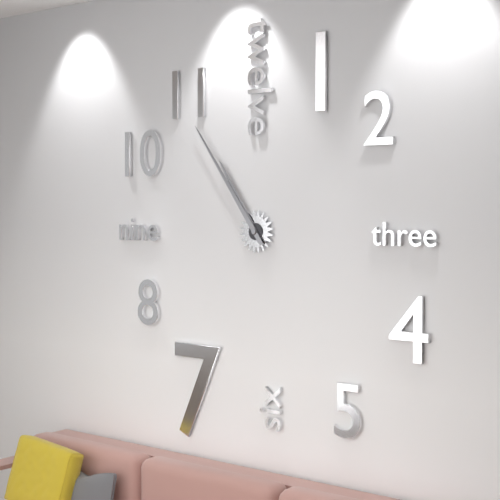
10.54
